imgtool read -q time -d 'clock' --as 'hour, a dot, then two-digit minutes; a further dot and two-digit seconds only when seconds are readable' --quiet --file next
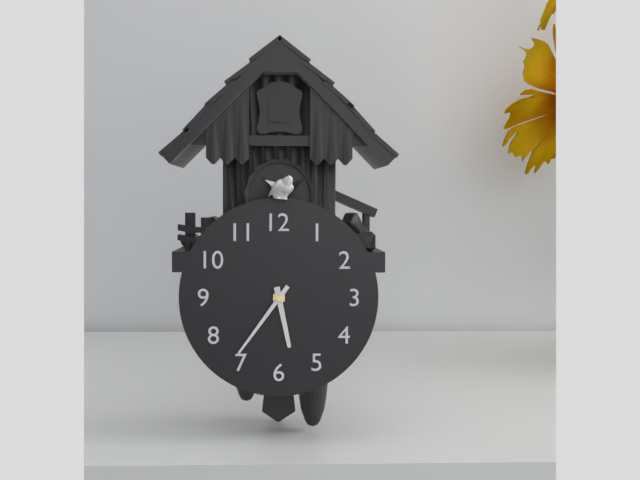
5.36
